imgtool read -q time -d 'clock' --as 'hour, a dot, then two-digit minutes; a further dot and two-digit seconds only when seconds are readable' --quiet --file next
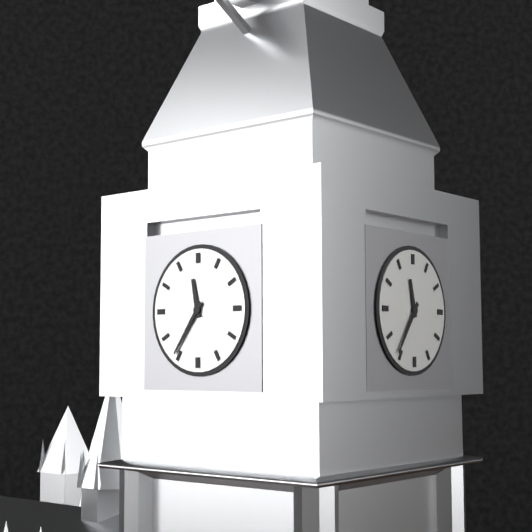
11.36
